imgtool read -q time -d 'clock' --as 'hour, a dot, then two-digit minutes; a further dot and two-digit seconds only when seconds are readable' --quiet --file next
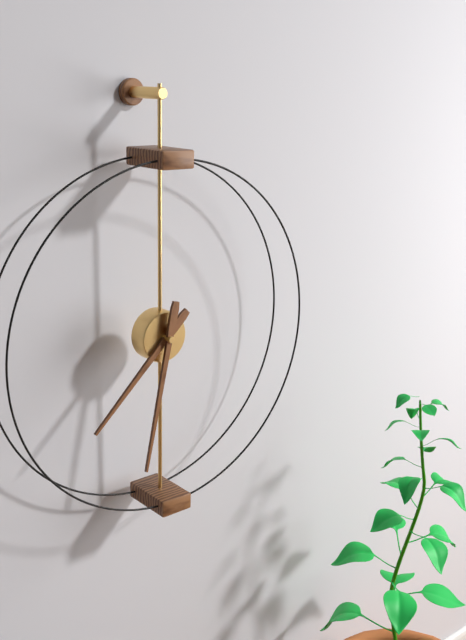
7.32
